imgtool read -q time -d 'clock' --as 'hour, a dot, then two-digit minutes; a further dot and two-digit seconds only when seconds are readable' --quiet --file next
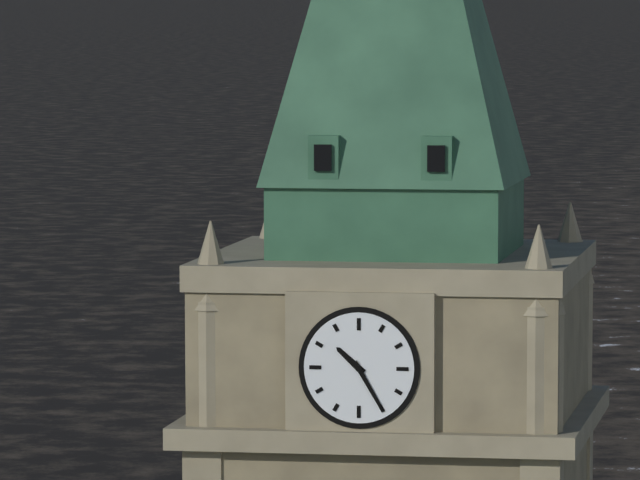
10.25
